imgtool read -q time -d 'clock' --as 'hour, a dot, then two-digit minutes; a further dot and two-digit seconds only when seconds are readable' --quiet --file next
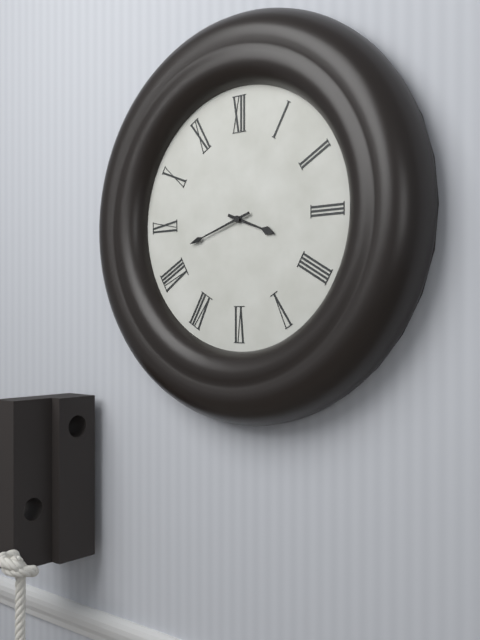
3.42
